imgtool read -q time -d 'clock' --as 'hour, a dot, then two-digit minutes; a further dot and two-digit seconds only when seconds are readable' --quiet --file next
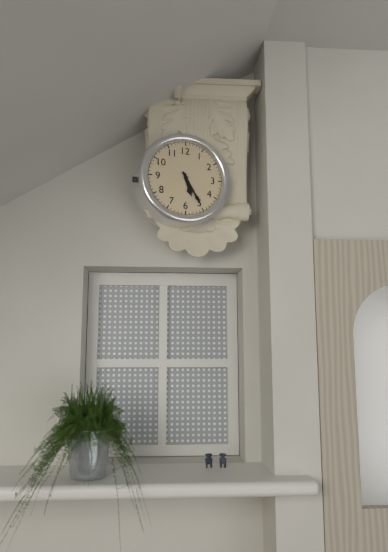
5.25
